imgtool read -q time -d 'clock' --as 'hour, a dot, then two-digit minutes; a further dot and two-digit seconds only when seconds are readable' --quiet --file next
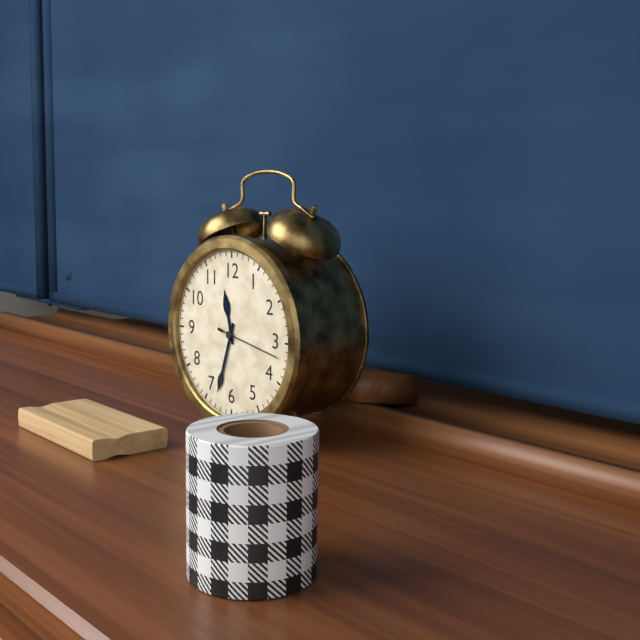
11.33.17
